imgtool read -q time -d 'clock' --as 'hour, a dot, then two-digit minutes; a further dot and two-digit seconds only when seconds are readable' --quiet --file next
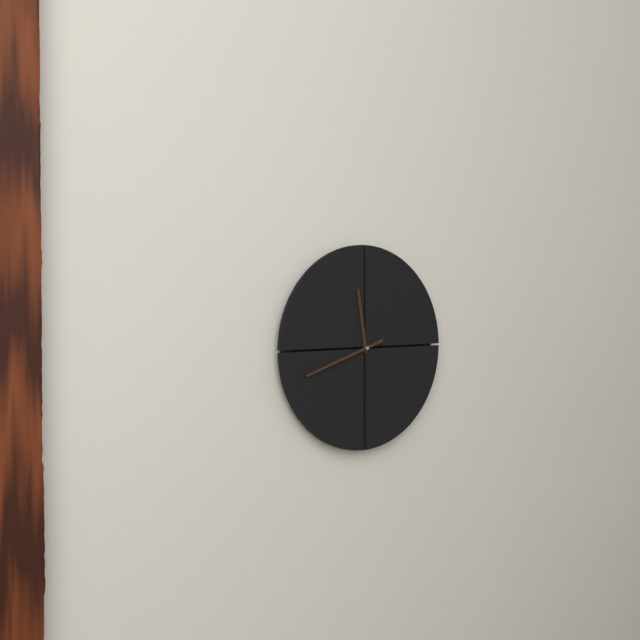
11.42
